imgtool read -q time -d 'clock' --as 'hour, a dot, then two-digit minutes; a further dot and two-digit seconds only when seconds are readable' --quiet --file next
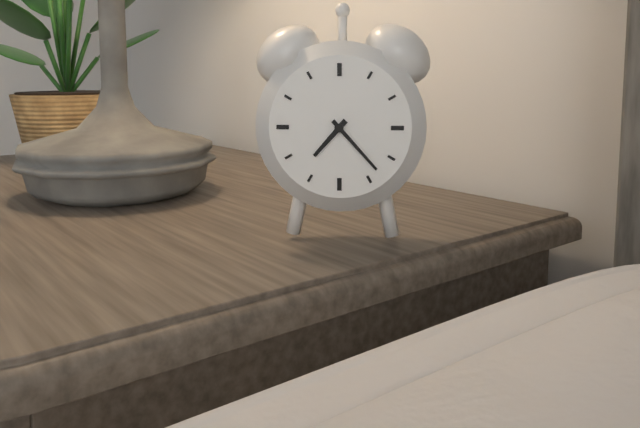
7.23
